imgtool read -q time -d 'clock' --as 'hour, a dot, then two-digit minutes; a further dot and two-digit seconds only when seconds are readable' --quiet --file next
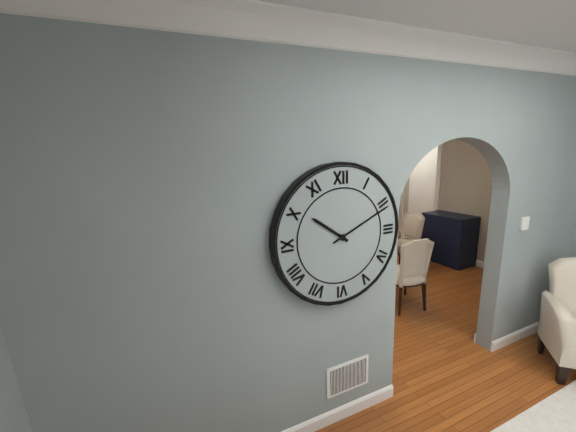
10.11
